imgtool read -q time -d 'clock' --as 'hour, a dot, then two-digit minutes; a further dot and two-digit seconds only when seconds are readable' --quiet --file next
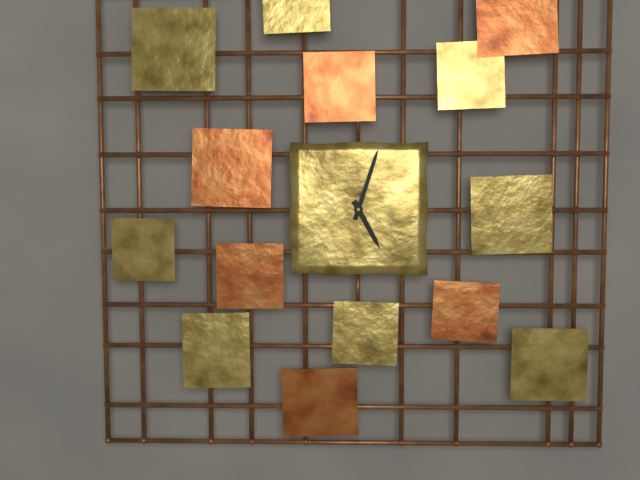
5.03
